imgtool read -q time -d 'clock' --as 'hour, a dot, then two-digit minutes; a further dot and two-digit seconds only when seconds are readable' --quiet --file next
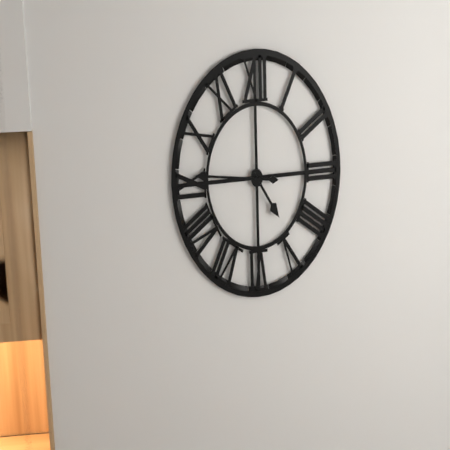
4.46
